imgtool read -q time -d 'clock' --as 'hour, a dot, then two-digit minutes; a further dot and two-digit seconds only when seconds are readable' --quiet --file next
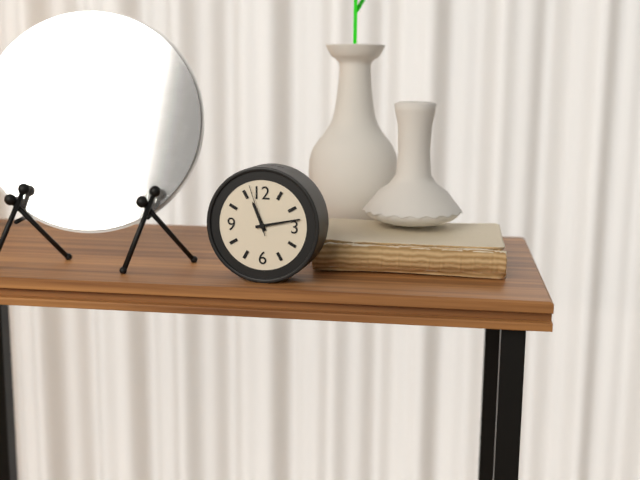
11.13.57
